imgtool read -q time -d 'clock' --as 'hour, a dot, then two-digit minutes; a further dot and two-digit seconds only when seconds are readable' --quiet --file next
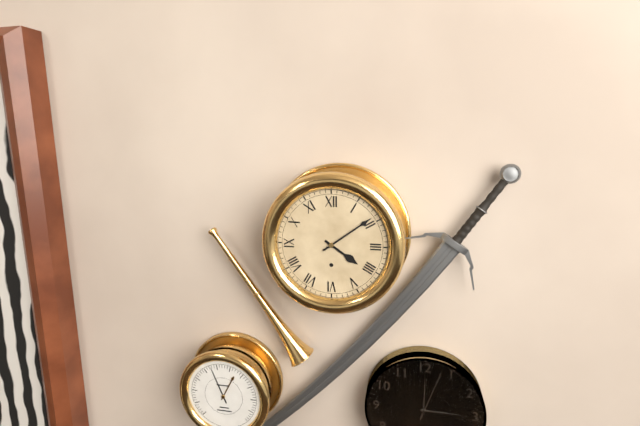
4.09
